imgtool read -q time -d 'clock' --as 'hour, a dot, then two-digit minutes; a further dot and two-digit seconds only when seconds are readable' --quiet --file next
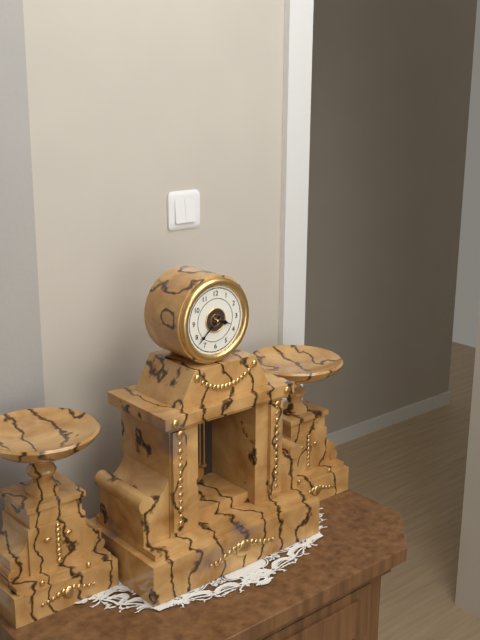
3.38
